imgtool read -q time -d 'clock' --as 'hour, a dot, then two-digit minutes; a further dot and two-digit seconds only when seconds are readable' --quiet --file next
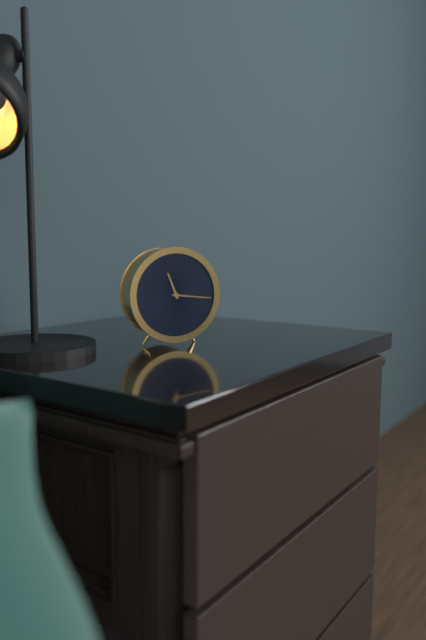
11.16
